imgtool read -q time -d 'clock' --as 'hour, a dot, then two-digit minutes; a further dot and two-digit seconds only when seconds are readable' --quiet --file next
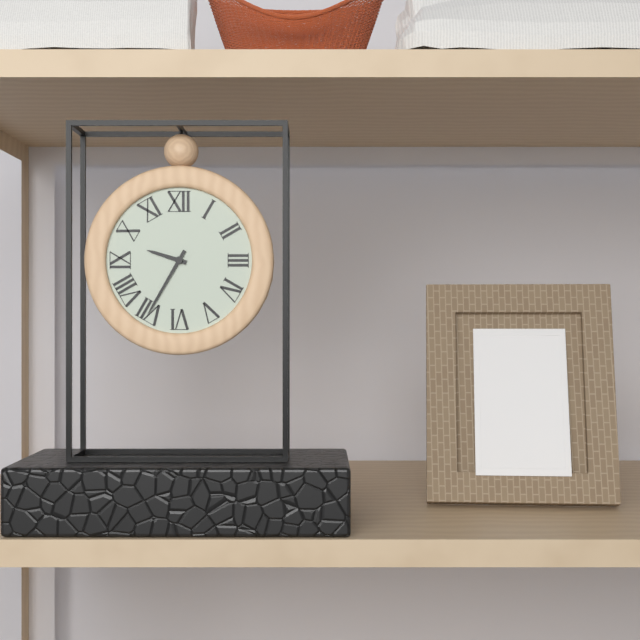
9.35
